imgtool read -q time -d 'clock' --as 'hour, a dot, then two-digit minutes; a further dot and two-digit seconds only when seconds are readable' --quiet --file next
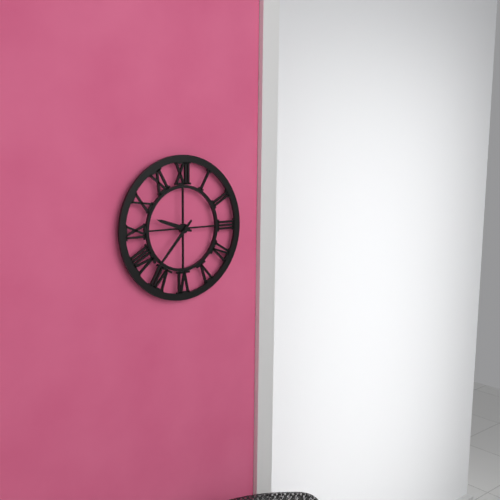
9.37
